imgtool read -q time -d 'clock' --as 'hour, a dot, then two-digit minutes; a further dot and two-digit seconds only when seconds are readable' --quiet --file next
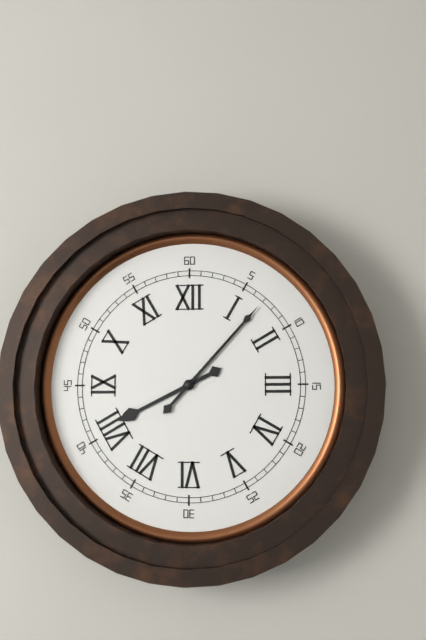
8.07
